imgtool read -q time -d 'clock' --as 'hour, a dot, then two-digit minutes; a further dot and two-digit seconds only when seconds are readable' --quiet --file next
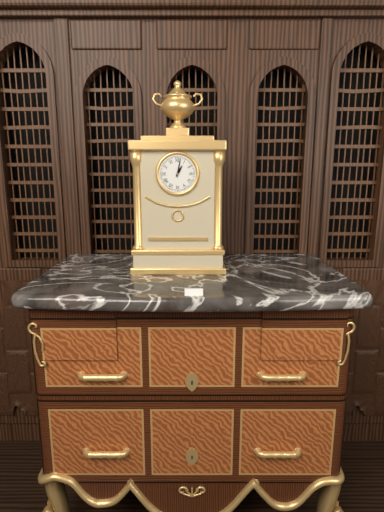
1.02
